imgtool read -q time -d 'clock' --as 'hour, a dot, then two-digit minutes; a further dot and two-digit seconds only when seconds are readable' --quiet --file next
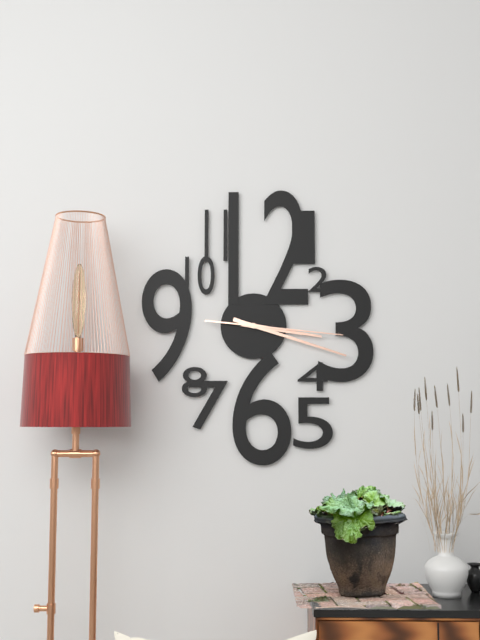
3.18.16
